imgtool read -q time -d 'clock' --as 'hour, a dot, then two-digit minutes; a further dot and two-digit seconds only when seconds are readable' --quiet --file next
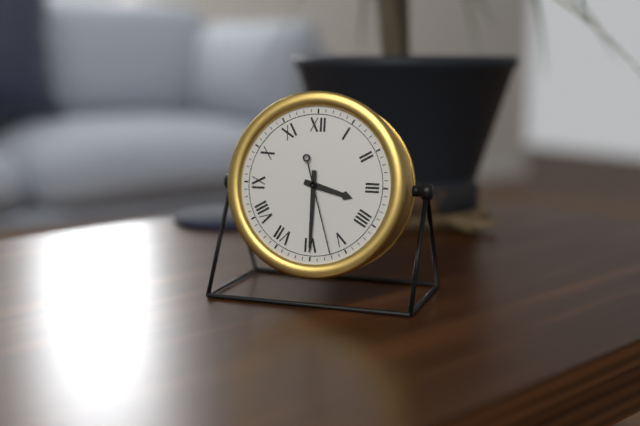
3.30.27
